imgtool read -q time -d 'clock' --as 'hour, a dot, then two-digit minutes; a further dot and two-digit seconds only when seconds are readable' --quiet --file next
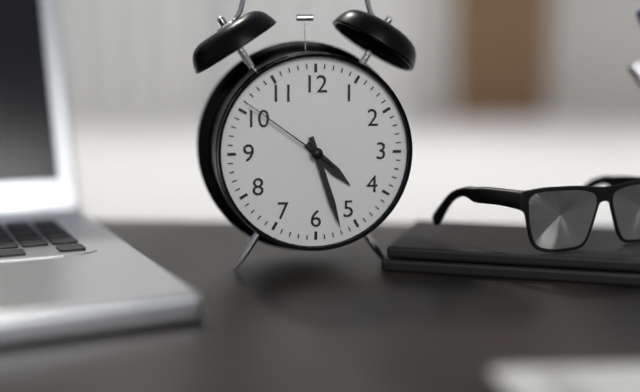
4.27.51
